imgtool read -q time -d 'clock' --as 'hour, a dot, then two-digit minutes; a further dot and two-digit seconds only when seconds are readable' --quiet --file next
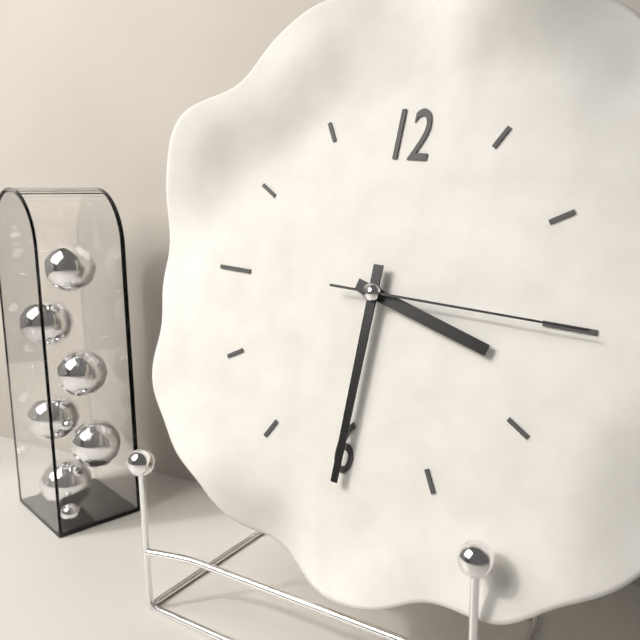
3.30.15
